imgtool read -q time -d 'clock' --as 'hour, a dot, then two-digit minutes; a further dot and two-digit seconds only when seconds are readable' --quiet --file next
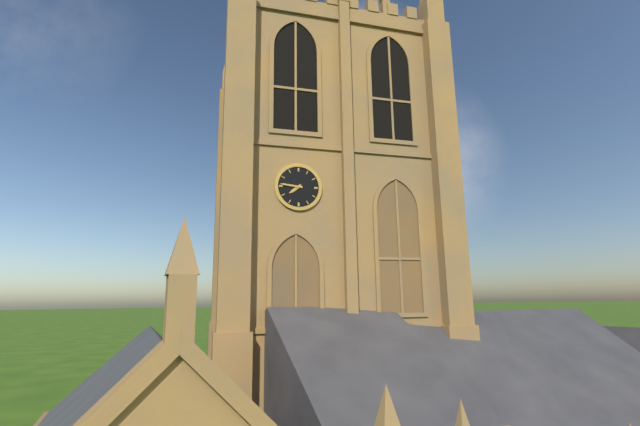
7.46
